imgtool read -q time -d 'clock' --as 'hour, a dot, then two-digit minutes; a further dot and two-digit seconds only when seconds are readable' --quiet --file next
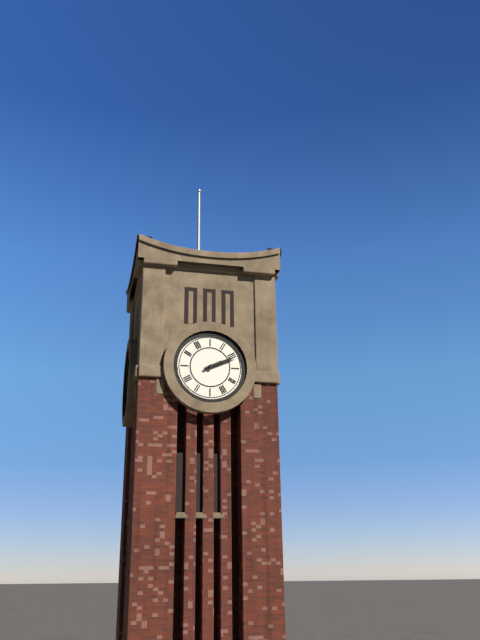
2.11
